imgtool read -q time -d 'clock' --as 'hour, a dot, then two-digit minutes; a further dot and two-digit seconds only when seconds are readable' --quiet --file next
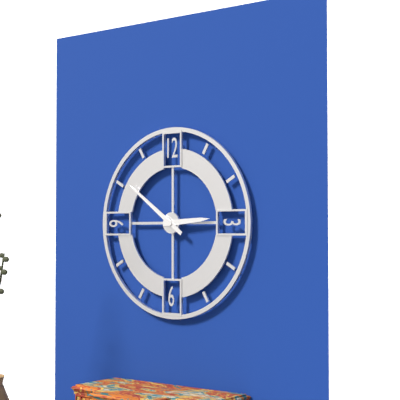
2.51
